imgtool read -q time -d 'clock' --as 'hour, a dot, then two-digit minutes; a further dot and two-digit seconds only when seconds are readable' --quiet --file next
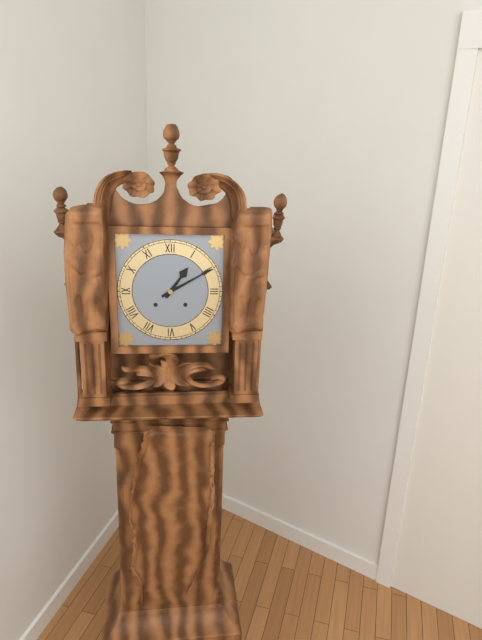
1.10
